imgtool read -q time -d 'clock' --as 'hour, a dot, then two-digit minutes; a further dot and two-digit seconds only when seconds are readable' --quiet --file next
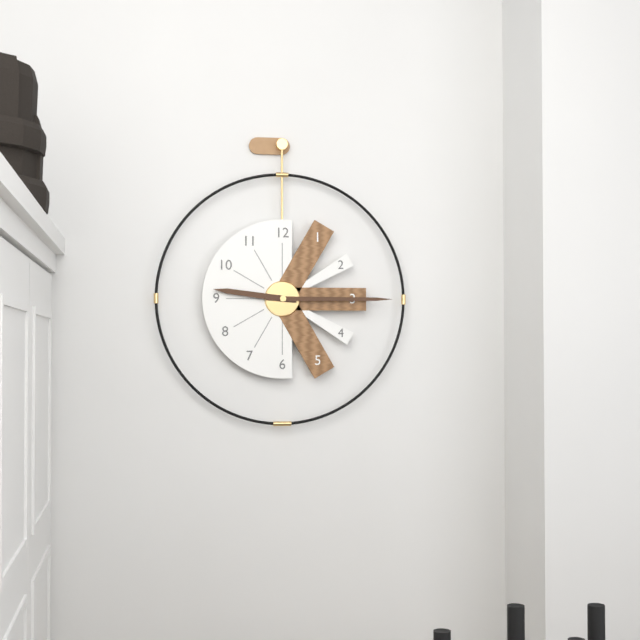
9.15
